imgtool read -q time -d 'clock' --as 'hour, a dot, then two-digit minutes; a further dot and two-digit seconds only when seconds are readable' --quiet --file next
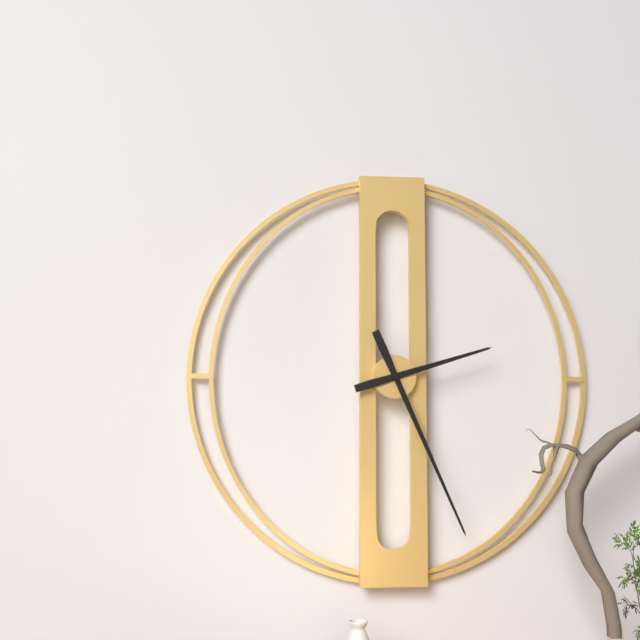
2.26
